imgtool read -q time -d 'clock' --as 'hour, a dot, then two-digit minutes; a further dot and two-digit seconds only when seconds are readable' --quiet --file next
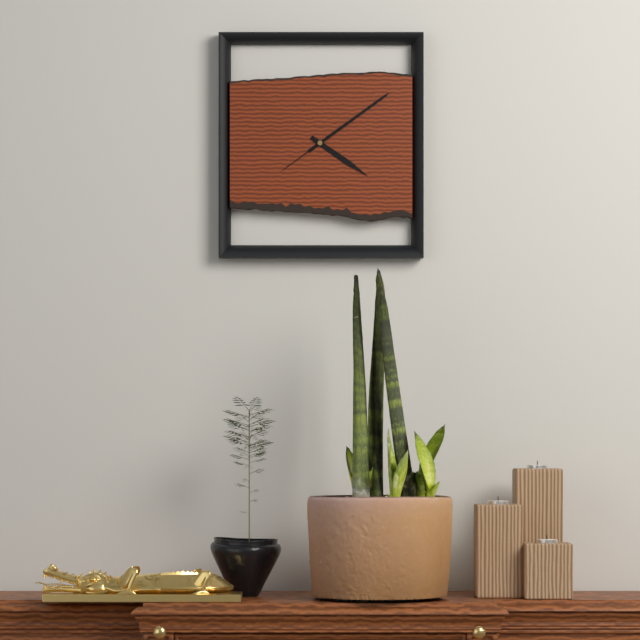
4.09.39
